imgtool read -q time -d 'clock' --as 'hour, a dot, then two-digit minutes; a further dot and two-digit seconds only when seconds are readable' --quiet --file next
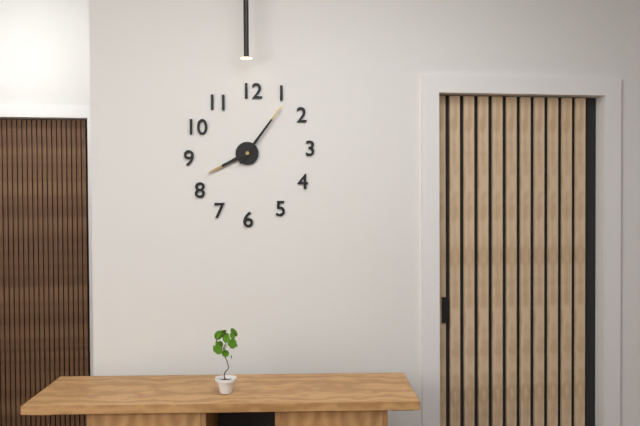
8.06
